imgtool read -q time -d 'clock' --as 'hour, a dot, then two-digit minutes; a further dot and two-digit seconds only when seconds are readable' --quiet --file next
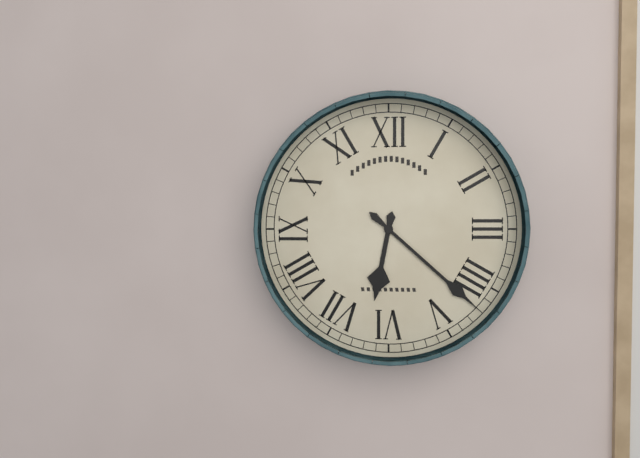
6.22
